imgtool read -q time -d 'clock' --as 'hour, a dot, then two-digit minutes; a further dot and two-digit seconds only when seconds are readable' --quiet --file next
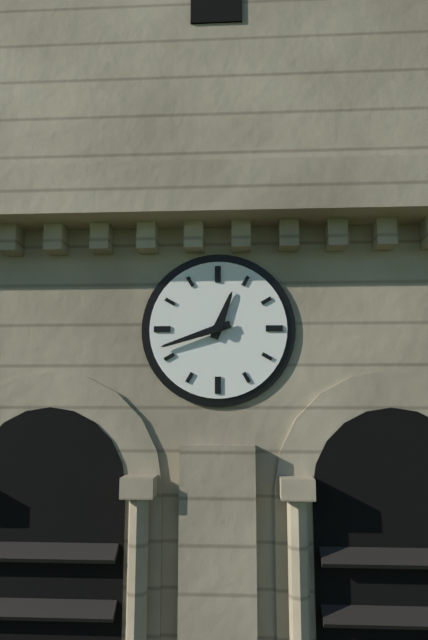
12.42
